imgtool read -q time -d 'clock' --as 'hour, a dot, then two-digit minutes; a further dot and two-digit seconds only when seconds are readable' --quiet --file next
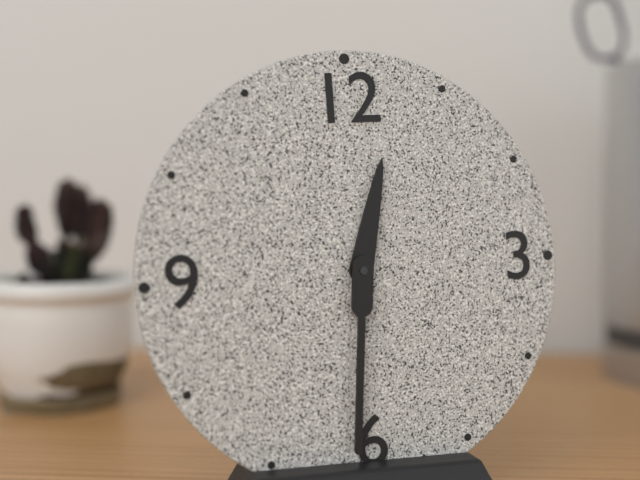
12.31
